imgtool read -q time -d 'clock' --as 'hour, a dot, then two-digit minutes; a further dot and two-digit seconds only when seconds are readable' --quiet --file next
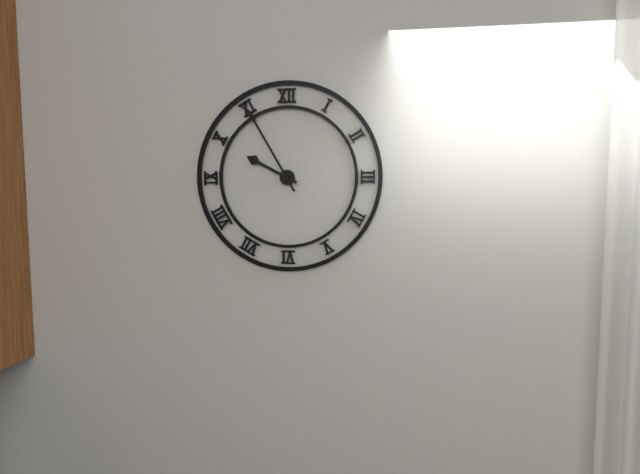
9.55
